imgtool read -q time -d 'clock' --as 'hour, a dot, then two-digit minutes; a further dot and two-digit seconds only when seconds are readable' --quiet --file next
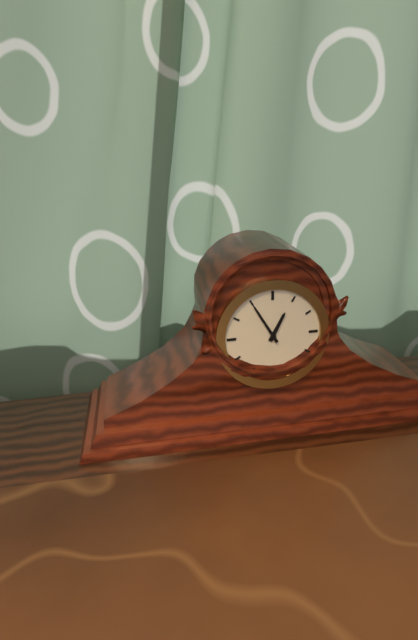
12.55
